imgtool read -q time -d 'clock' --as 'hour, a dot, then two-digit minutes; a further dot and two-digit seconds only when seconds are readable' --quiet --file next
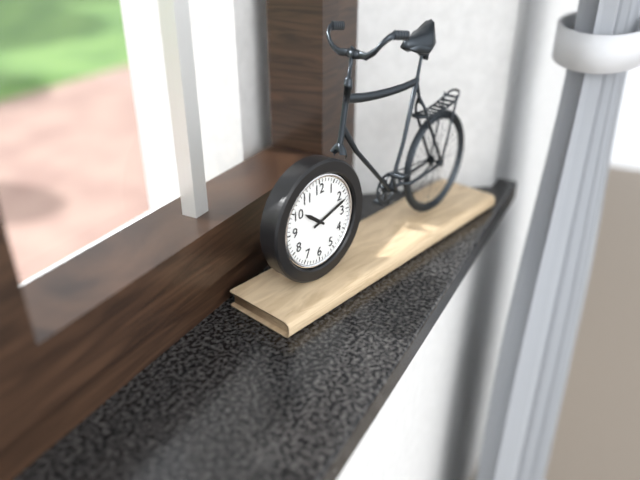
10.12
